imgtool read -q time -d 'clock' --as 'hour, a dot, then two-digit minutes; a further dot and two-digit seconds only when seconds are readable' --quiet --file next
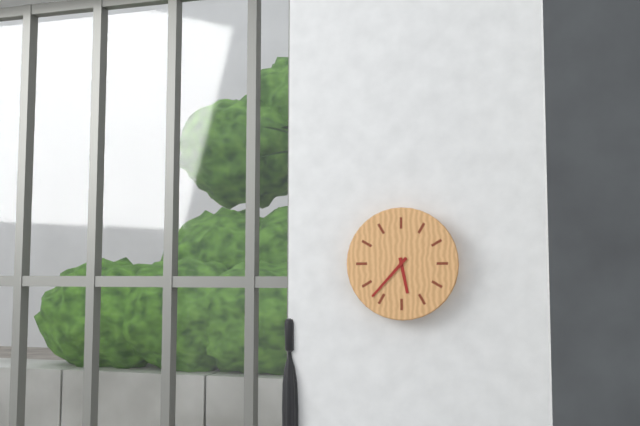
5.37
